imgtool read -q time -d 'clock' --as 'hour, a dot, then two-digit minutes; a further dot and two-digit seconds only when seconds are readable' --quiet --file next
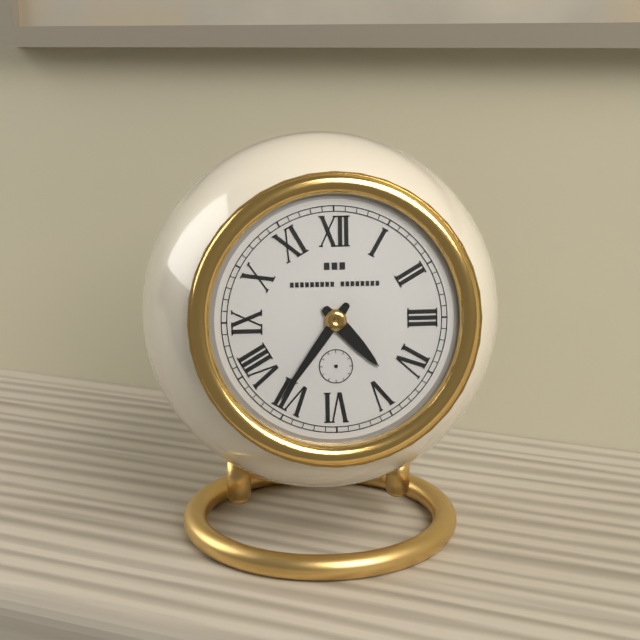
4.36
